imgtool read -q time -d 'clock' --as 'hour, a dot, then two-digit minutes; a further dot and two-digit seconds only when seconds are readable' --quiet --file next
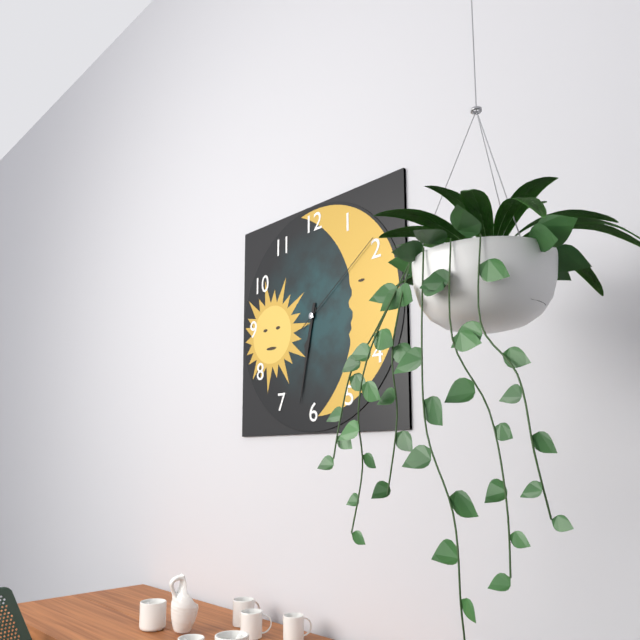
6.32.09
